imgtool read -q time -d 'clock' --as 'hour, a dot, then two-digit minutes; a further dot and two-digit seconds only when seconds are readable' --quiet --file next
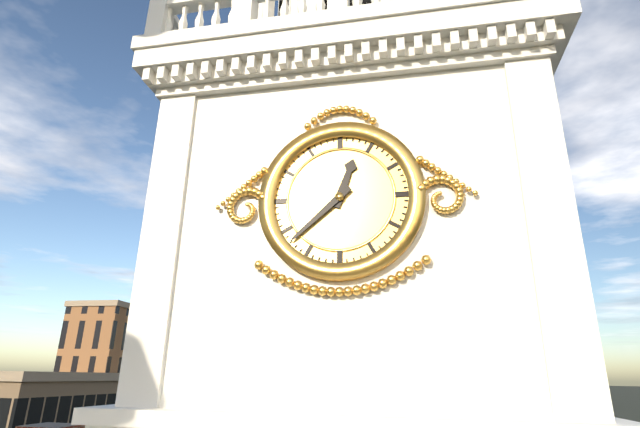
12.38
